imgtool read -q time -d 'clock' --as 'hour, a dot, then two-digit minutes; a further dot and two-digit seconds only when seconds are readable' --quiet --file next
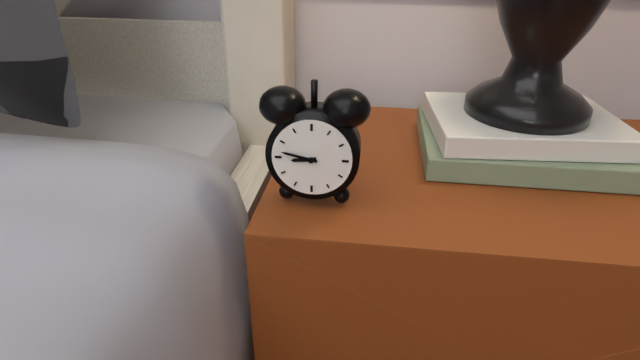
8.47
